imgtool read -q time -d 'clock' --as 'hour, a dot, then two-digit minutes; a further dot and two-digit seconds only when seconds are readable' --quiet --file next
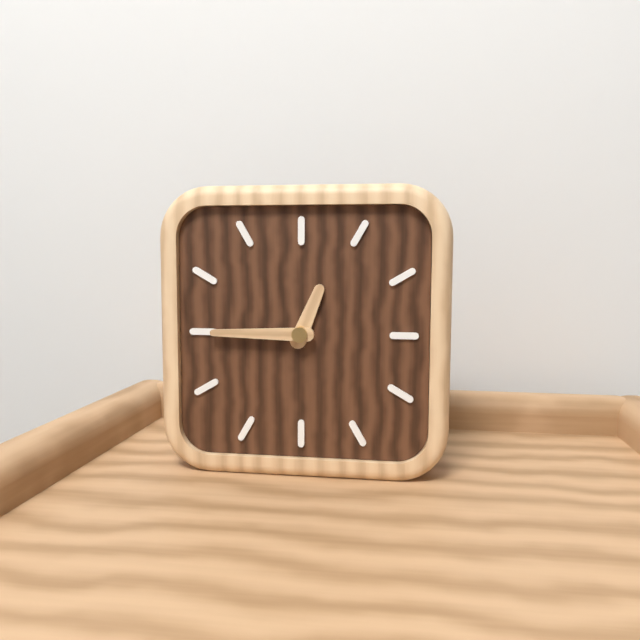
12.45
